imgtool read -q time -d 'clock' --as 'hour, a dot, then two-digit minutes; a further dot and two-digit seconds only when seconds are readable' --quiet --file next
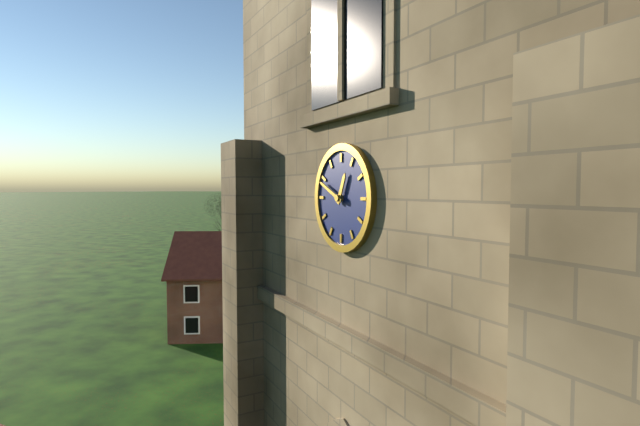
12.49
